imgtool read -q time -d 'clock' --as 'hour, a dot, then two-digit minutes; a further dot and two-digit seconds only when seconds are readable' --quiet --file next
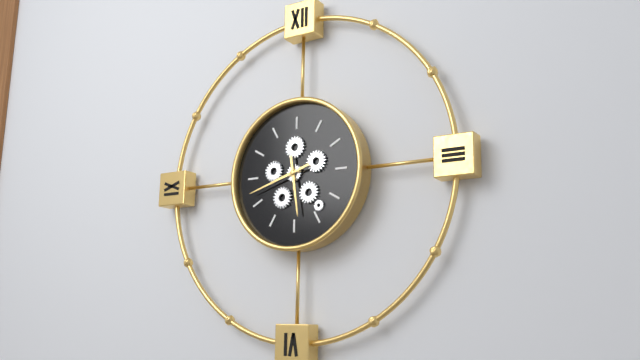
5.42
